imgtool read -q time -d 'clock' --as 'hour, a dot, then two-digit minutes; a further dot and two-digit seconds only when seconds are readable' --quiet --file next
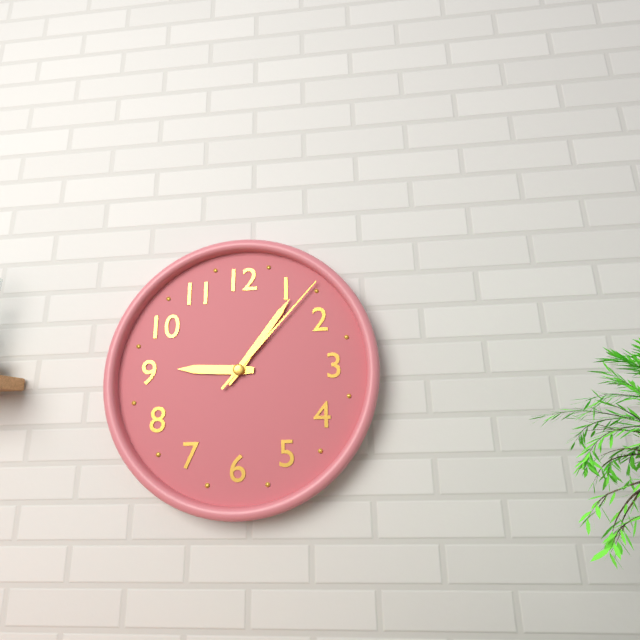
9.06.07
